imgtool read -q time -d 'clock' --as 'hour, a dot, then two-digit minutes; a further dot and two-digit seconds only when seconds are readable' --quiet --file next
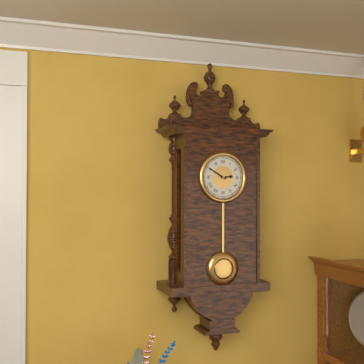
2.50
